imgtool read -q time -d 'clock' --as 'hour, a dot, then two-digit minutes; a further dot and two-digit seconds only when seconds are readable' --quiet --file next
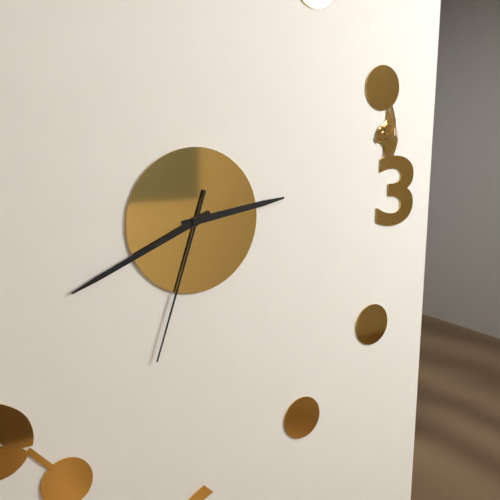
2.41.33
